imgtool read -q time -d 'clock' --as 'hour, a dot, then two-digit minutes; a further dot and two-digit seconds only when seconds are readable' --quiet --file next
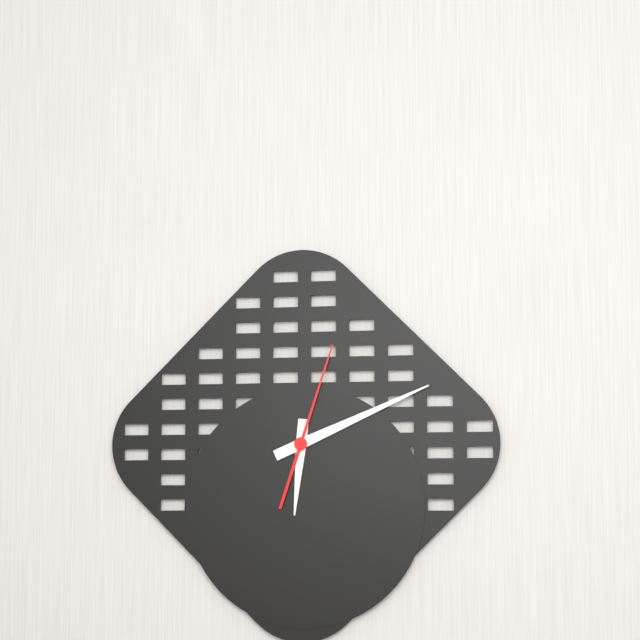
6.11.03
